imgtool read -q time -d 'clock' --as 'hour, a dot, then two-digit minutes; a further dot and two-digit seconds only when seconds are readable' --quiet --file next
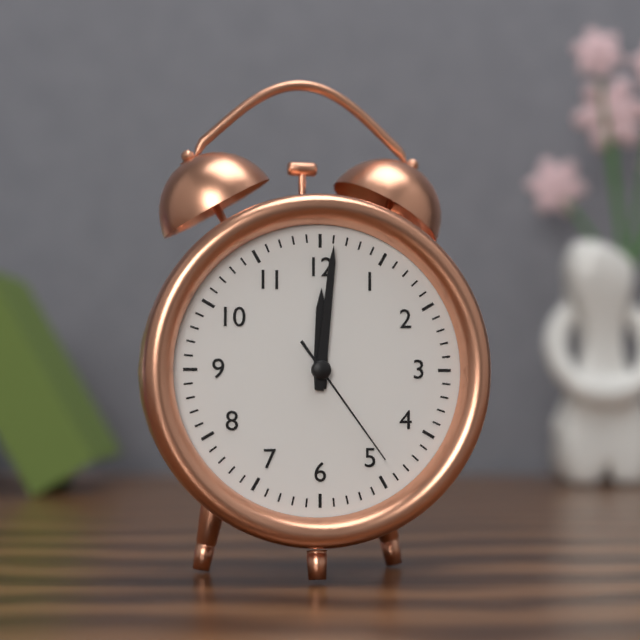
12.01.24
